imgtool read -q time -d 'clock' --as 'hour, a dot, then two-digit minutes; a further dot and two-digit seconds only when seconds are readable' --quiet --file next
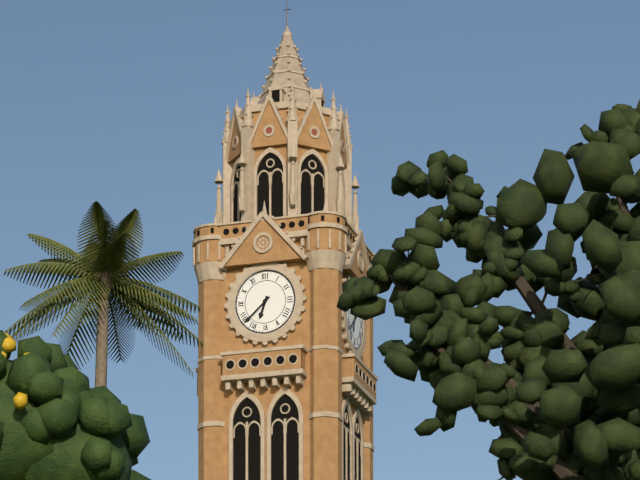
6.38
